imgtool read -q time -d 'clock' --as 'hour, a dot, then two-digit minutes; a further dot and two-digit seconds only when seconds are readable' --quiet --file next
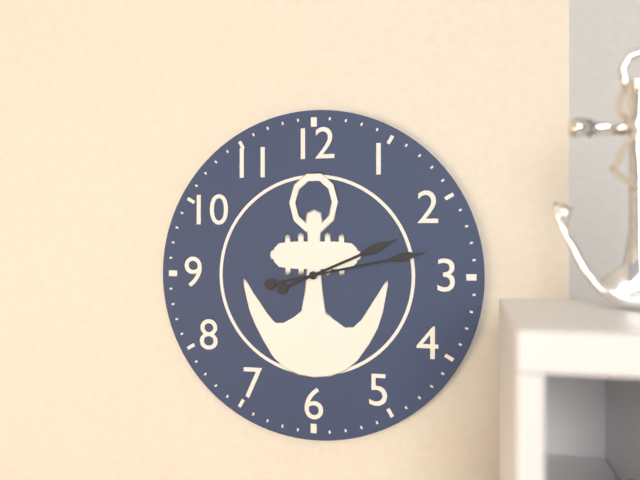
2.13
